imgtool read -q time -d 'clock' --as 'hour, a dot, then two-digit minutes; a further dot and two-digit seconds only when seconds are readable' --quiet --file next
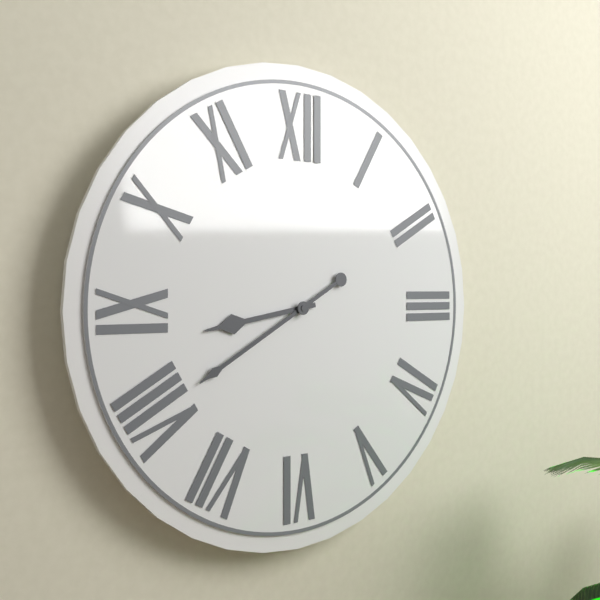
8.40
